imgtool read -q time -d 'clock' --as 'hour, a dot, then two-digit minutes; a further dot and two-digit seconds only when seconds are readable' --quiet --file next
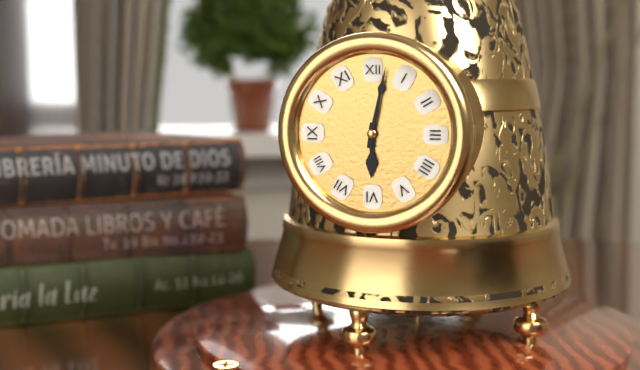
6.02
